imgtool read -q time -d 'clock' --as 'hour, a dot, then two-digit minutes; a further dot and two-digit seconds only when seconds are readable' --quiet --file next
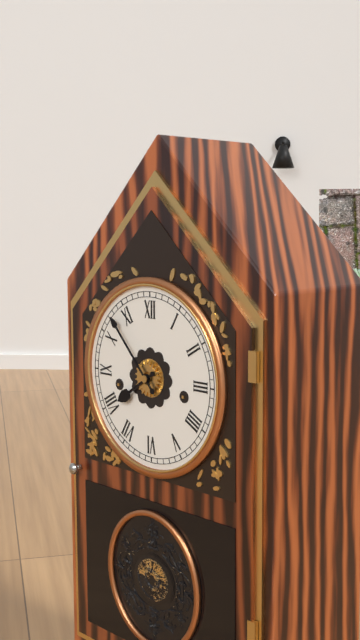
7.53
